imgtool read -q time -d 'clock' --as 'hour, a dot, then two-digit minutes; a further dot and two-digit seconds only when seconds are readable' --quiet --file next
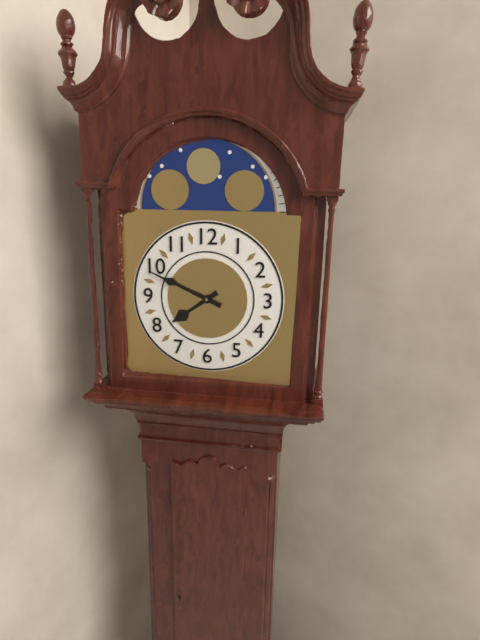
7.49
